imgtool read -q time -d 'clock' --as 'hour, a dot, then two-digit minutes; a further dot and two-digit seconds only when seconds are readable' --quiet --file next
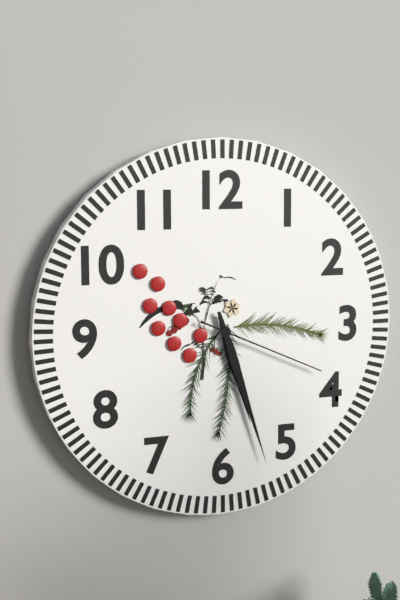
5.27.19
